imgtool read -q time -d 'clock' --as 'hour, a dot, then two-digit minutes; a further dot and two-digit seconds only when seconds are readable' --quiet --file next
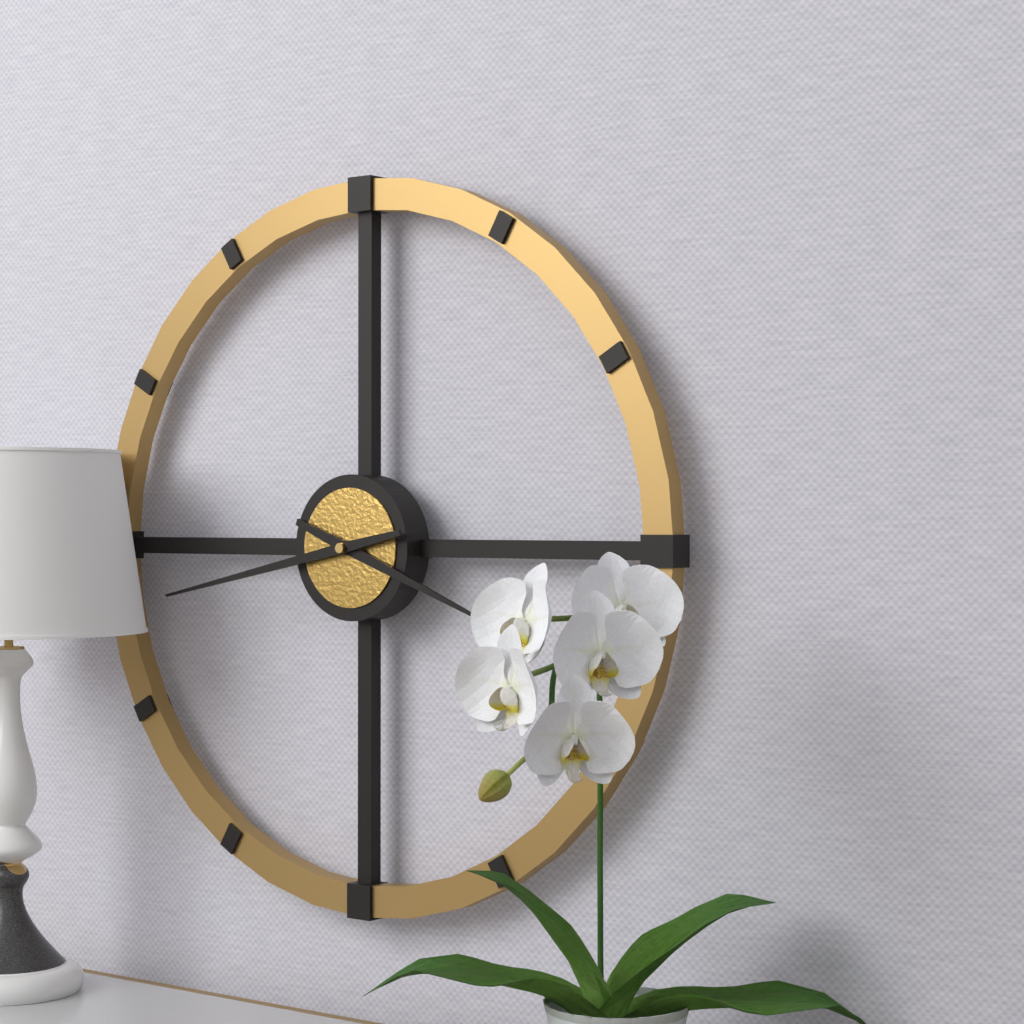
3.43
